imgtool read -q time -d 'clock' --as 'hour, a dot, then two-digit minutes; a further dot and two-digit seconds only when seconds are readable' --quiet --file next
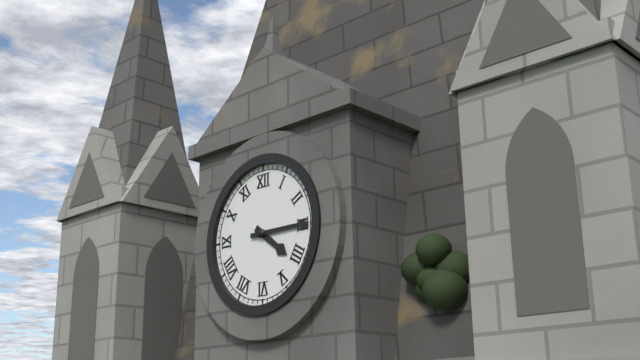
4.15
